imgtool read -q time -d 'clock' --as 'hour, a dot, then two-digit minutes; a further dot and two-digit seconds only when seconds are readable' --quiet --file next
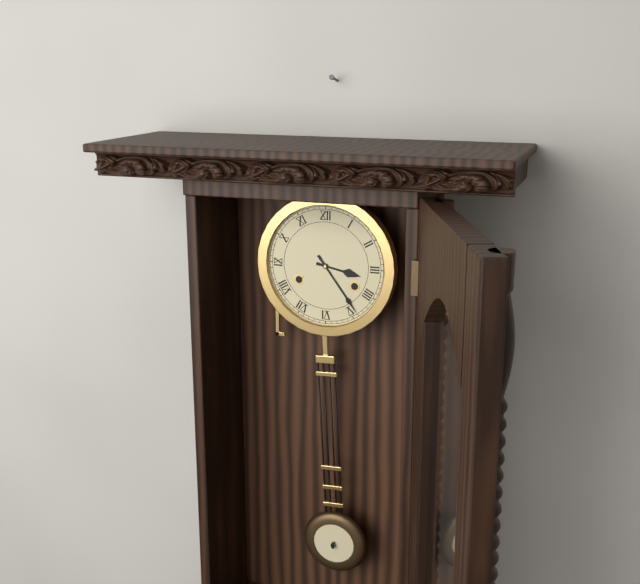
3.24
